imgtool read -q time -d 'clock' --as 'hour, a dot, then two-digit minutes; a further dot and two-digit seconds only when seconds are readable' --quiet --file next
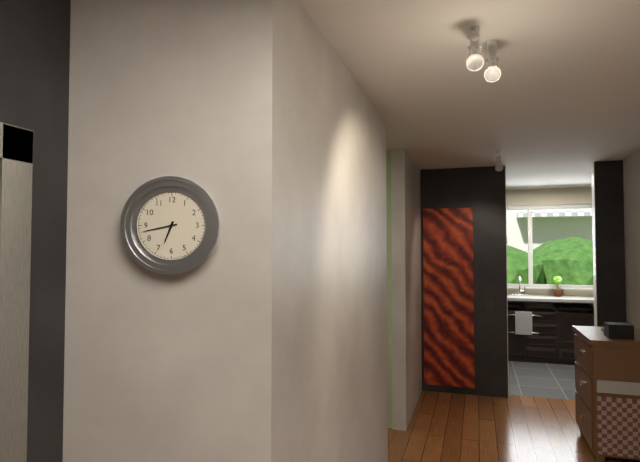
6.43
